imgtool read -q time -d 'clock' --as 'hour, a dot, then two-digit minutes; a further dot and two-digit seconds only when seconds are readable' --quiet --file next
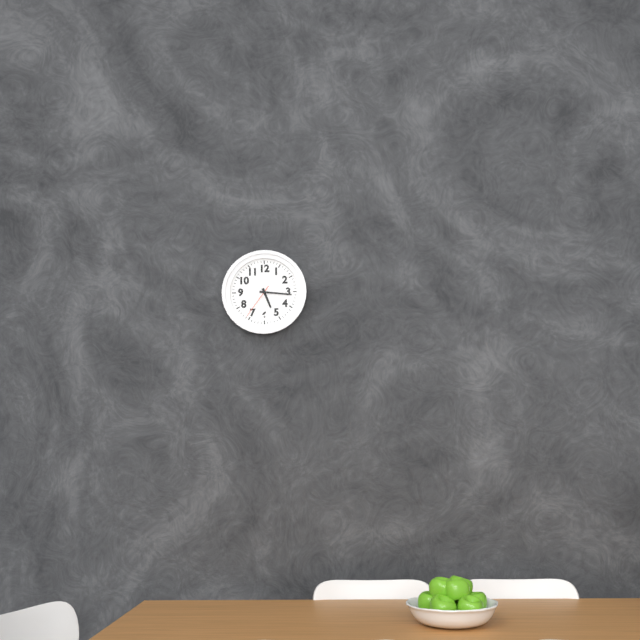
5.16
